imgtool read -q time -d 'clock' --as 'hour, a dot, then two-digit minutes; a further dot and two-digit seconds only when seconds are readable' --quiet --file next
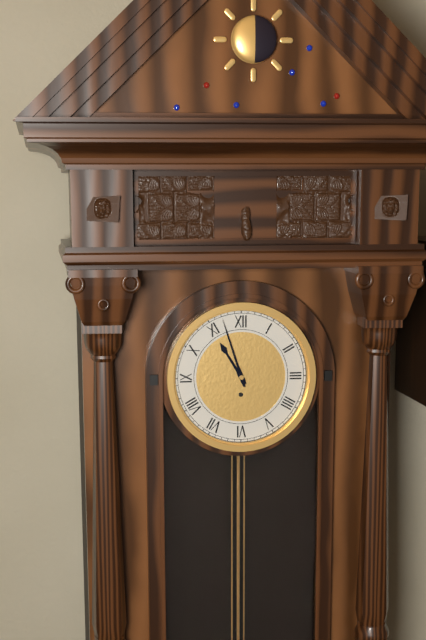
10.57
